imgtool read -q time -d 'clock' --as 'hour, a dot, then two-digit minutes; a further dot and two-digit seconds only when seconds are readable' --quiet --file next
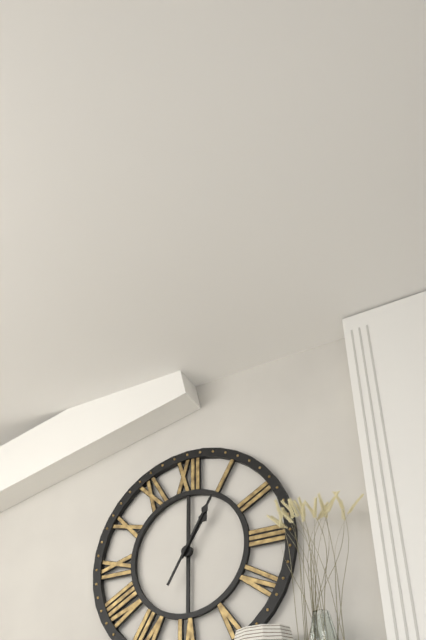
1.05
